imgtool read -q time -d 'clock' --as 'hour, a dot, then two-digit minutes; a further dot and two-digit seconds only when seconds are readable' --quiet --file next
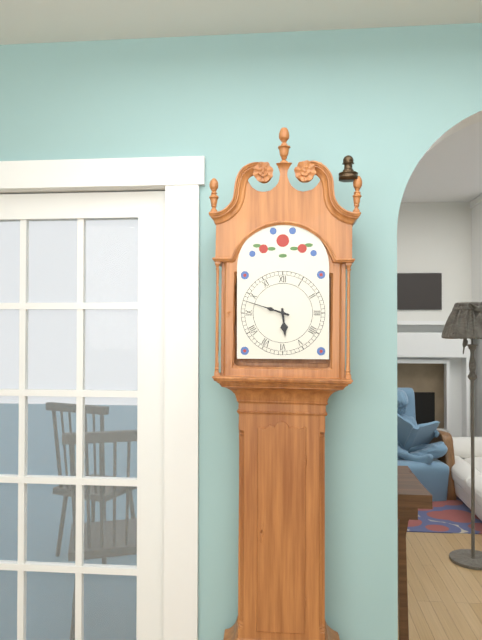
5.48
